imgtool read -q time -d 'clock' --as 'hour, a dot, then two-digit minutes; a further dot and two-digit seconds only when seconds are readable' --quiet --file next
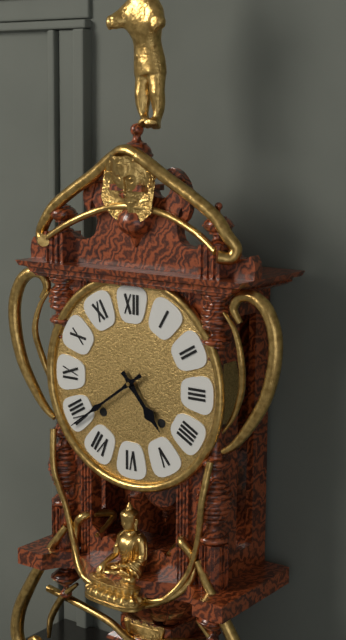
4.39
